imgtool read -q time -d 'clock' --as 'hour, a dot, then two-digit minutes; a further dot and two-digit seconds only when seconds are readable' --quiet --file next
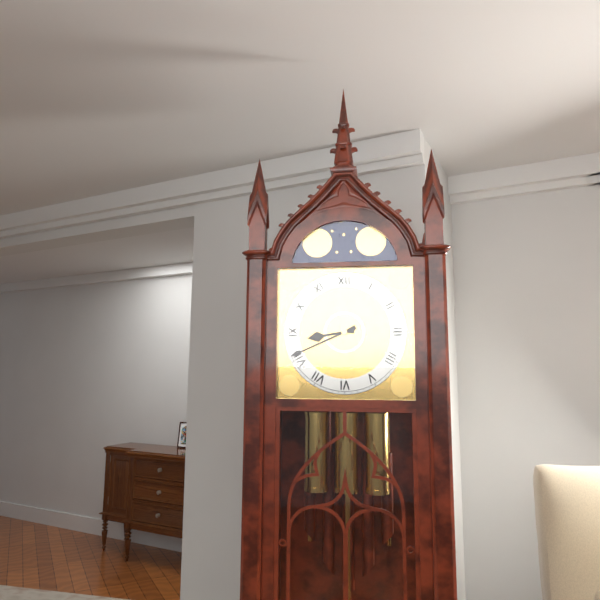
8.41
